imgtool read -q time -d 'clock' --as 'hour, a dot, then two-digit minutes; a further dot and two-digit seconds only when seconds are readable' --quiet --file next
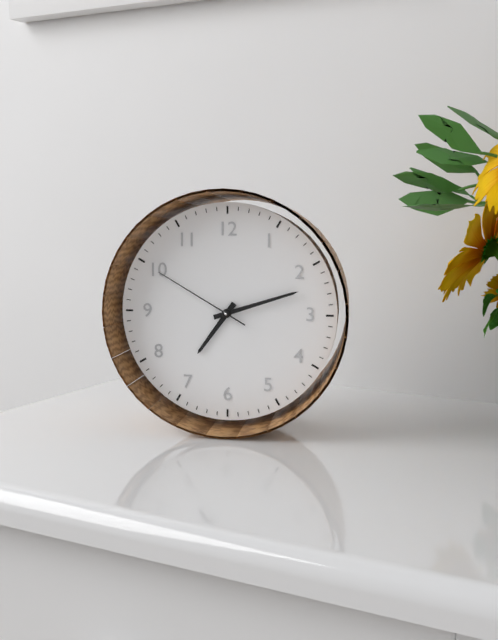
7.12.50
